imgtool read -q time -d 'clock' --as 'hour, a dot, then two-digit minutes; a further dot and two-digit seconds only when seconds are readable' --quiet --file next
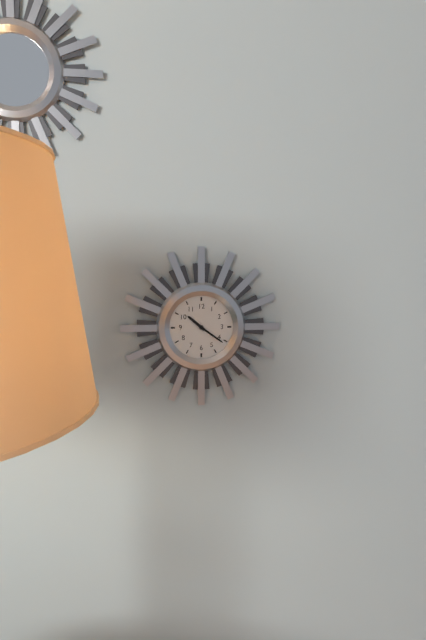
10.21
